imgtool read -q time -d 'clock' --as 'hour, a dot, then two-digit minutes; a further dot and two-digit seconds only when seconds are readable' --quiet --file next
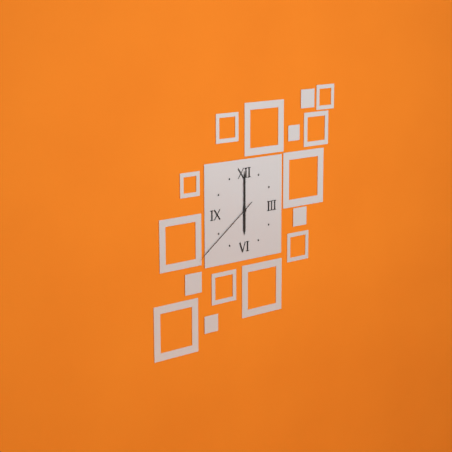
6.00.39
